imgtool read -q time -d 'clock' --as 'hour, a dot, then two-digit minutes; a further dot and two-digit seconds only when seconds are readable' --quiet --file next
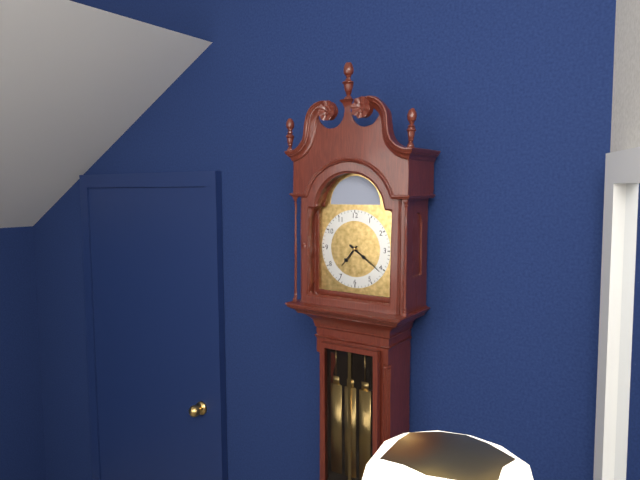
7.21
